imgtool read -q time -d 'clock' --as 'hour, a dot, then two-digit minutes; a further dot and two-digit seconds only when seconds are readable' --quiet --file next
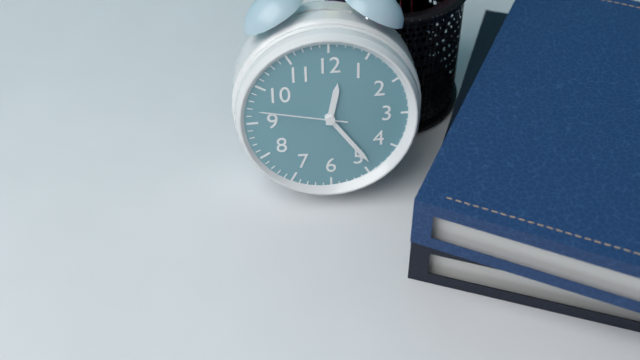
12.24.47
